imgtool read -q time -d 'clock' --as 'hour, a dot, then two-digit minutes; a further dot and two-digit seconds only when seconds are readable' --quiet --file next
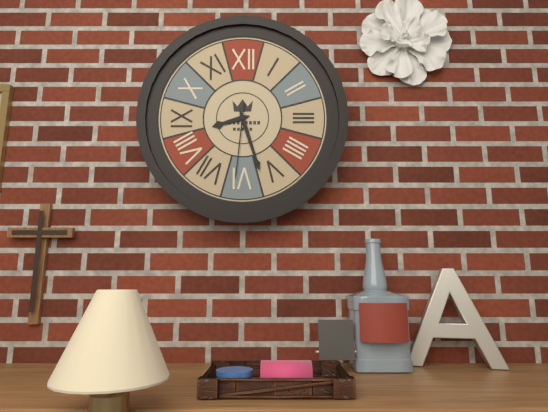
8.27.31
